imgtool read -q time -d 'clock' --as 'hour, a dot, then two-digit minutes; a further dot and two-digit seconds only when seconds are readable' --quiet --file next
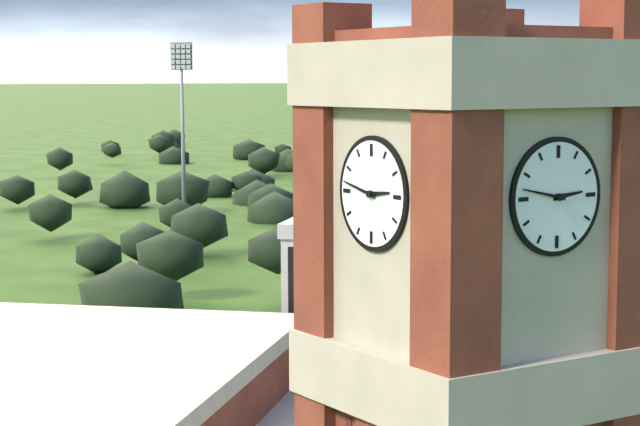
2.47
